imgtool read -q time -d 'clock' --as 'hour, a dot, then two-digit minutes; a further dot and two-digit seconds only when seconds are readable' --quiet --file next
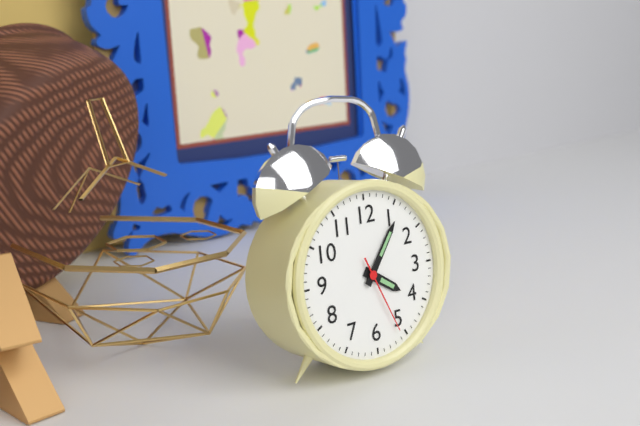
4.06.26
